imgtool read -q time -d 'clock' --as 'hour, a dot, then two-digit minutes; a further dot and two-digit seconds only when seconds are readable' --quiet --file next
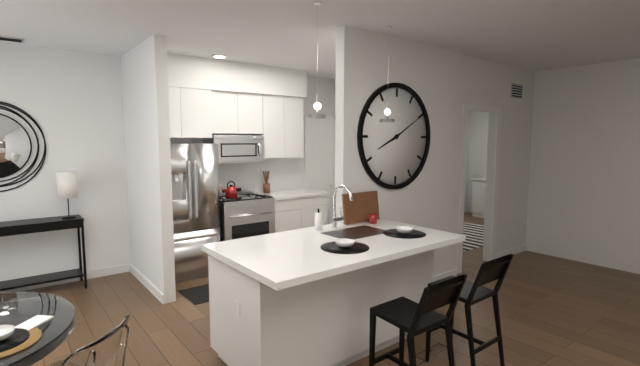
8.10
